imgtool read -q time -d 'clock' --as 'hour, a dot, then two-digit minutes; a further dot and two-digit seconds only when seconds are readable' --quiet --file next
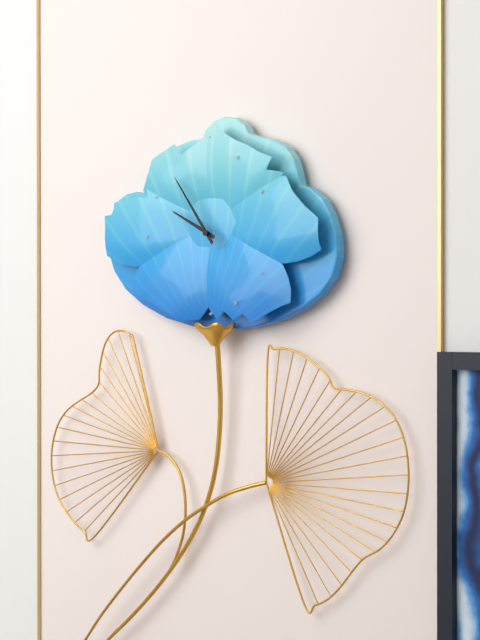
9.54
